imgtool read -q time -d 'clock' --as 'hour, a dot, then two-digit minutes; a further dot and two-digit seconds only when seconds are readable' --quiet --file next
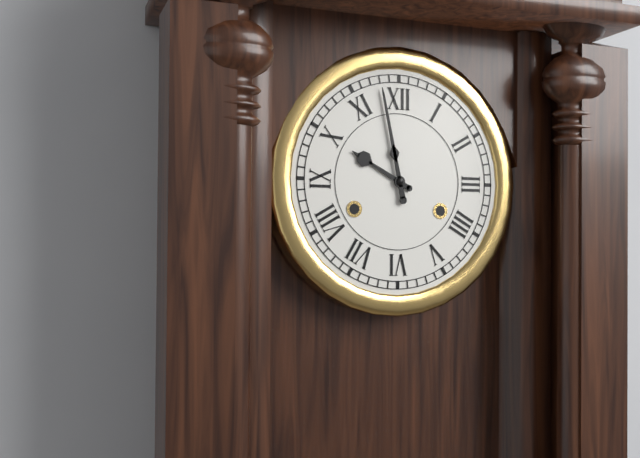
9.58
